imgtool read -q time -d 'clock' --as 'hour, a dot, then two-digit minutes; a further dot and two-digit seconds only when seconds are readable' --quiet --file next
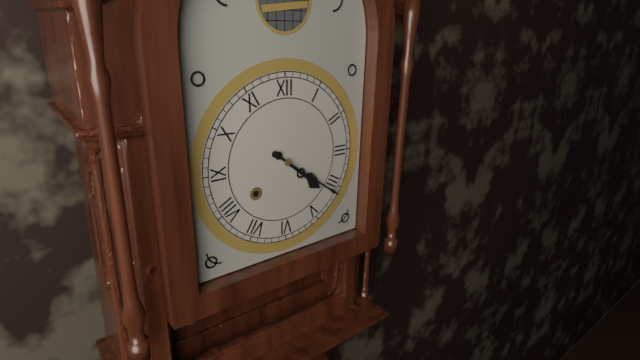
4.21
